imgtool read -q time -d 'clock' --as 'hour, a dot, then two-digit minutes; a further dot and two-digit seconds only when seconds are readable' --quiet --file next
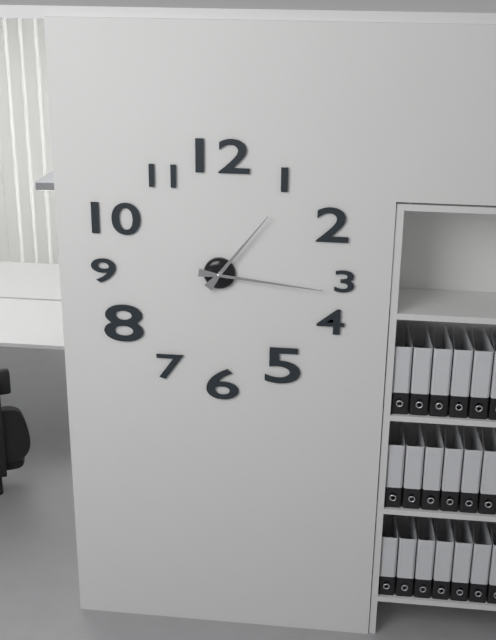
1.16
